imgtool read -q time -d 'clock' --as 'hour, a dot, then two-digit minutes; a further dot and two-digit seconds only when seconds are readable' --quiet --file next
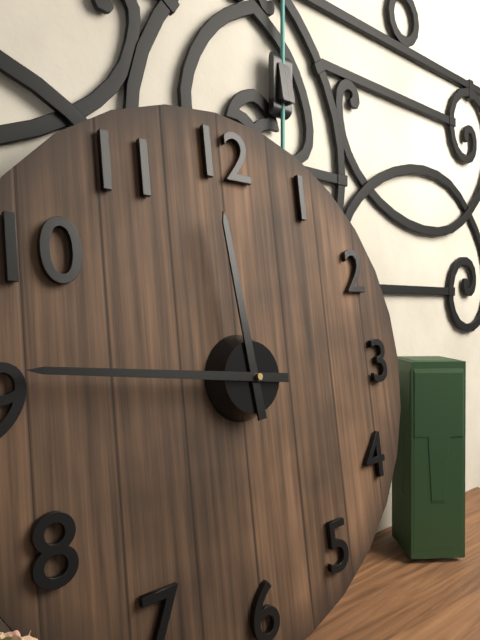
11.46
